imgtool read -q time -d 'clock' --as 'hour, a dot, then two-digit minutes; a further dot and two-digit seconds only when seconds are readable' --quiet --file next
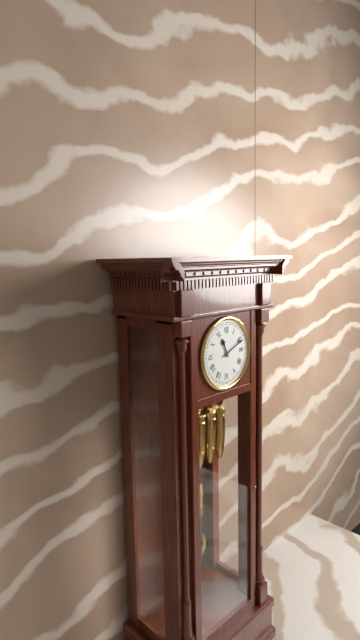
11.11
